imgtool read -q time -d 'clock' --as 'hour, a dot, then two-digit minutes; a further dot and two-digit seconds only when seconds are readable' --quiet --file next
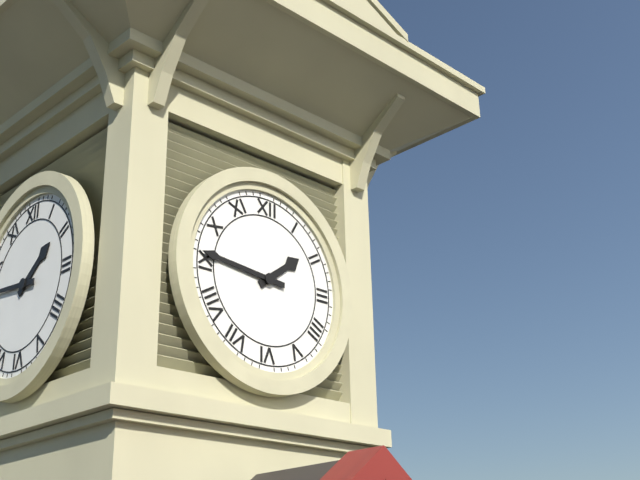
1.46
